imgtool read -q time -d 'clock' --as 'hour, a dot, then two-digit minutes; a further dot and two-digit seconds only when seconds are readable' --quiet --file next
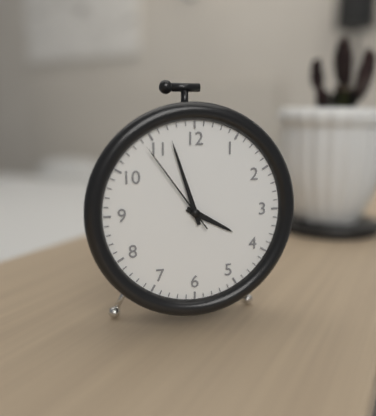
3.57.54
